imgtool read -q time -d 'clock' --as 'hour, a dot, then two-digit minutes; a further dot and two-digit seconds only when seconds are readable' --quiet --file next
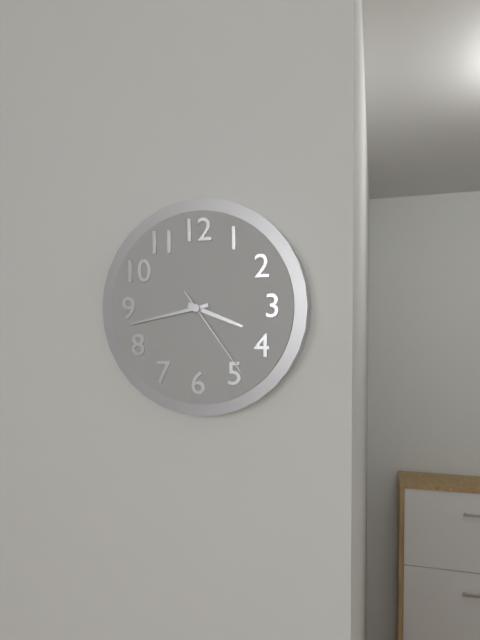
3.43.24
